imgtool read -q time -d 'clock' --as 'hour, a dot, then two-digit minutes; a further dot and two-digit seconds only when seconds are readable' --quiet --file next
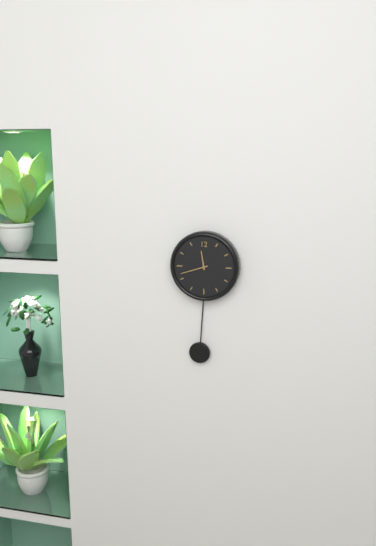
11.42
